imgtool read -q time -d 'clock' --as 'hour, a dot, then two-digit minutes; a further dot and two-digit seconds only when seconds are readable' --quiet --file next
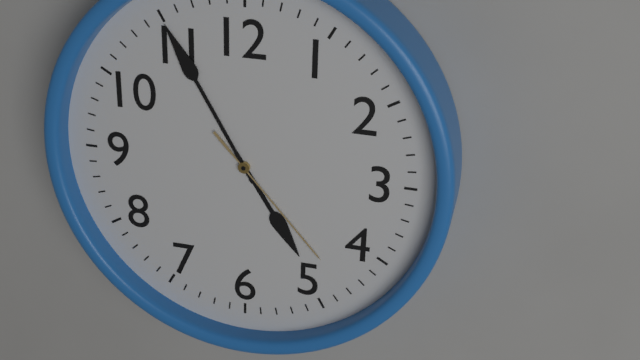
4.55.23
